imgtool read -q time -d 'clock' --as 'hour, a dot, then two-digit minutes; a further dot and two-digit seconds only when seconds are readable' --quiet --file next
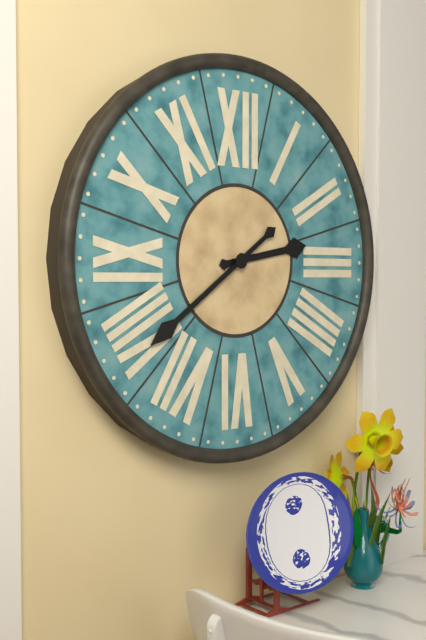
2.39
